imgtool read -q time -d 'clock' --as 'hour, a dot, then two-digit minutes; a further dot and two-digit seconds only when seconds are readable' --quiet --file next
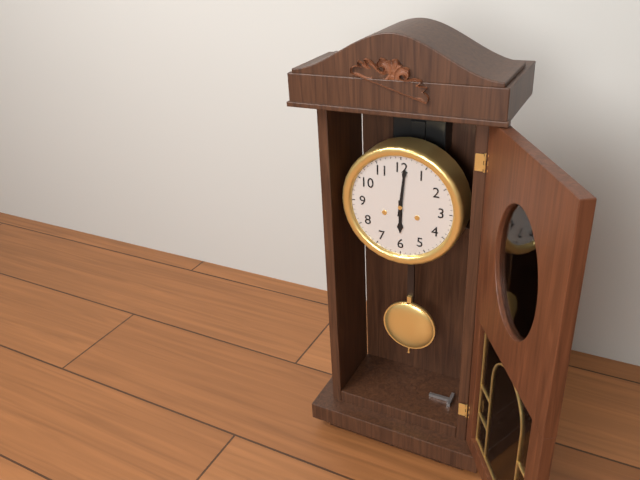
6.01
